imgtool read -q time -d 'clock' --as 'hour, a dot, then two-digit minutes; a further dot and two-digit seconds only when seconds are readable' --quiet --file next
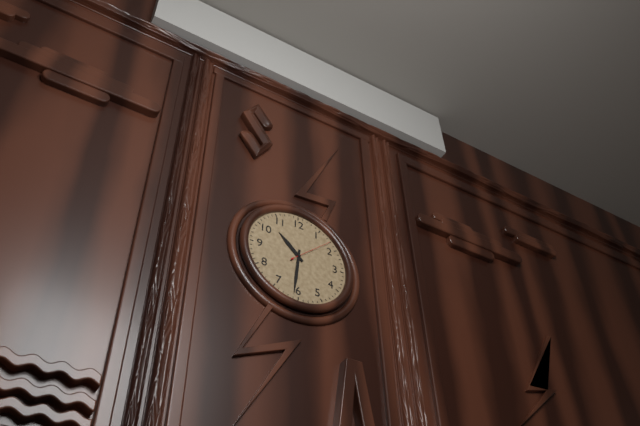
10.31
